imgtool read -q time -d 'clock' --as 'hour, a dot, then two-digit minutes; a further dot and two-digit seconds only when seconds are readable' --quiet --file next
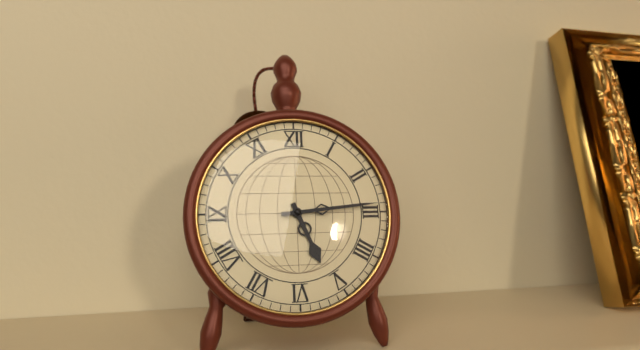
5.14
